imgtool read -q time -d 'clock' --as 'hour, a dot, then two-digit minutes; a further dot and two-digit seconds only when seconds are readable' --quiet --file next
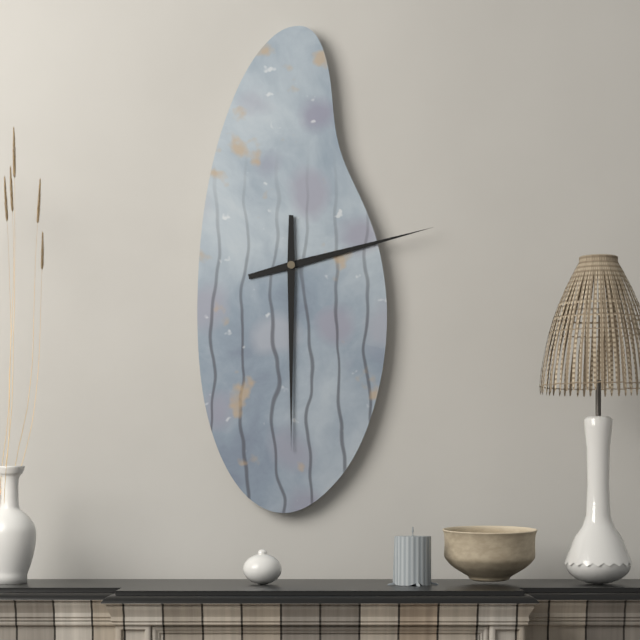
2.30
